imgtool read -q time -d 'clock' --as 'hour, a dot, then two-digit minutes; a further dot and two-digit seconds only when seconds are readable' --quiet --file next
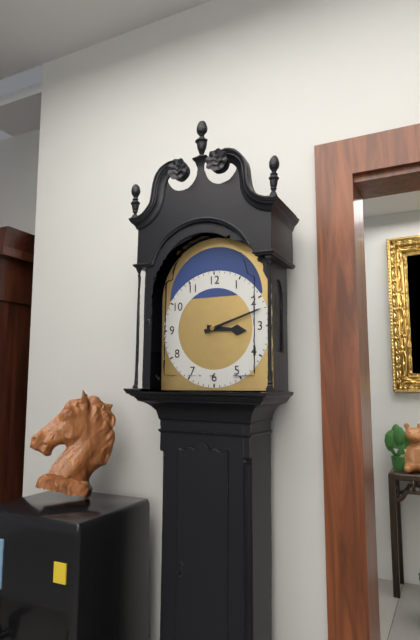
3.12
